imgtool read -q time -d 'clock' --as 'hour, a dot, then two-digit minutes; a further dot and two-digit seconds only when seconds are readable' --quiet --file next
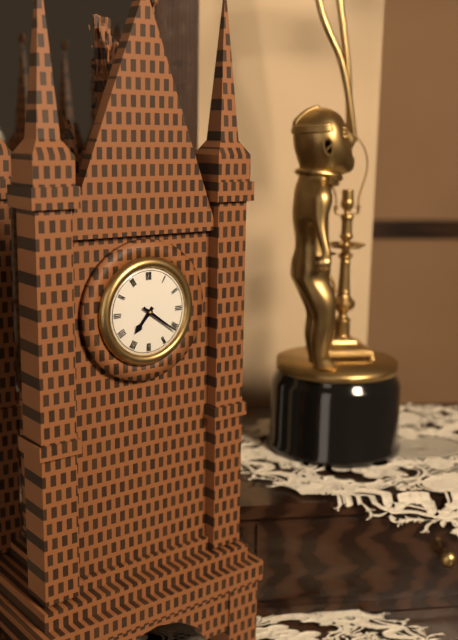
7.21
